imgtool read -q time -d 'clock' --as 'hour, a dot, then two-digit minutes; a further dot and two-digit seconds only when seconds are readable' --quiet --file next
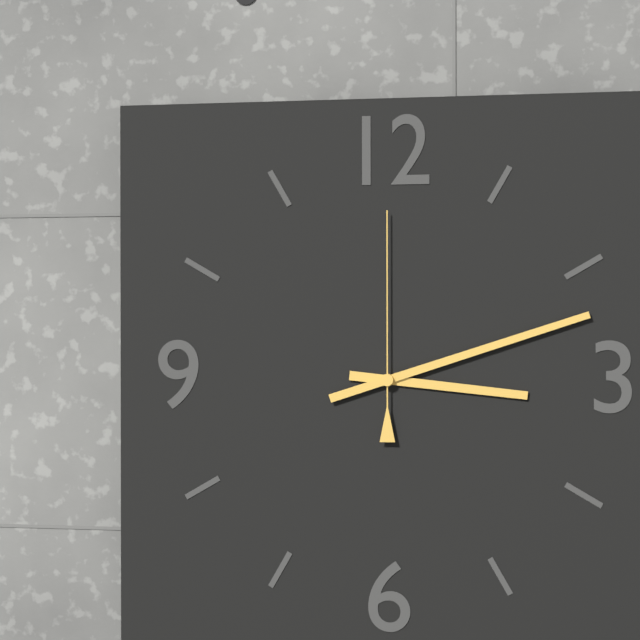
3.12.00
